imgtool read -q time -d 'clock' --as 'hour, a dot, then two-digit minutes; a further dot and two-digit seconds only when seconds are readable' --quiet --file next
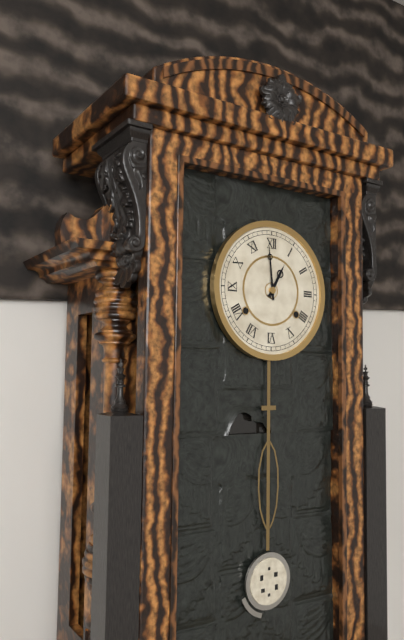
12.59
